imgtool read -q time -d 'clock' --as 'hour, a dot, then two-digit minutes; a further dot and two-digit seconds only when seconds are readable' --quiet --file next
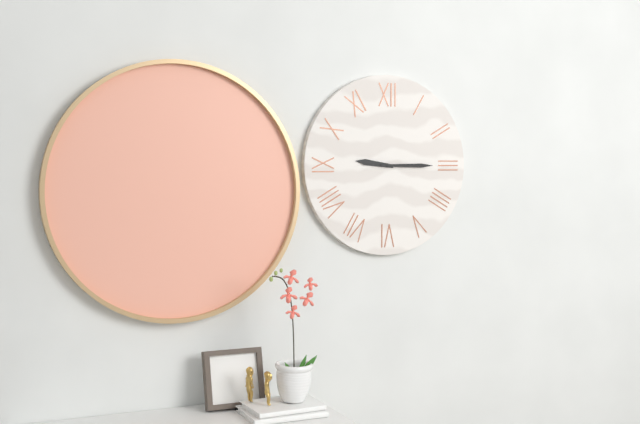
9.15
